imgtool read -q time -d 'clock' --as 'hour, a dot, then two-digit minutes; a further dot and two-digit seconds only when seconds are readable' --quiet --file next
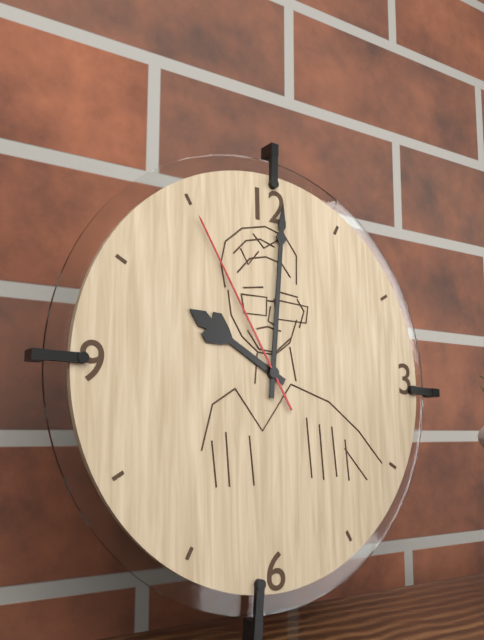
10.01.55
